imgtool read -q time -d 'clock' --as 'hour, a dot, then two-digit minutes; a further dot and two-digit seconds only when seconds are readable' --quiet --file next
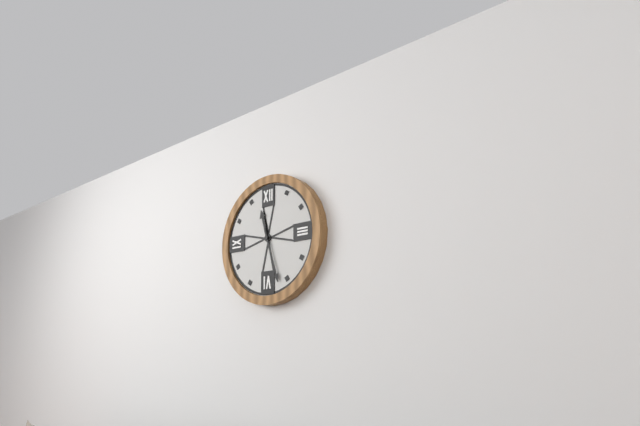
11.27
